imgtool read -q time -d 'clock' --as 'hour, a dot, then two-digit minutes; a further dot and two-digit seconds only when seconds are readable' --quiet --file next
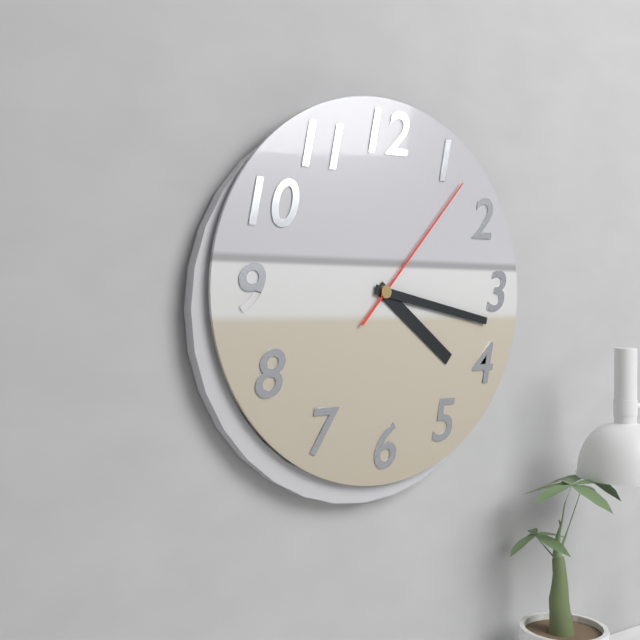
4.17.07
